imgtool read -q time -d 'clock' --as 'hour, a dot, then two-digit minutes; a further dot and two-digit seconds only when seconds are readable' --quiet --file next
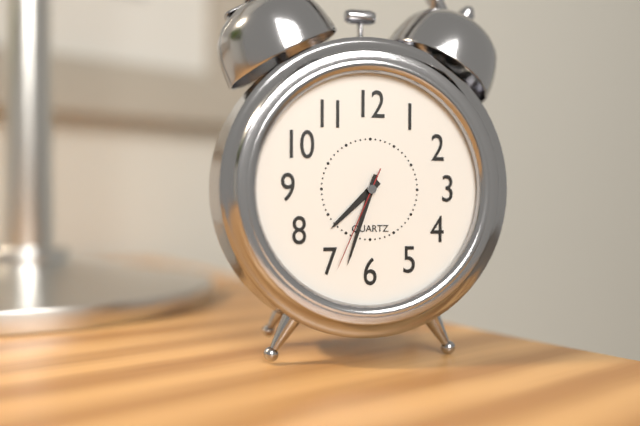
7.33.34
